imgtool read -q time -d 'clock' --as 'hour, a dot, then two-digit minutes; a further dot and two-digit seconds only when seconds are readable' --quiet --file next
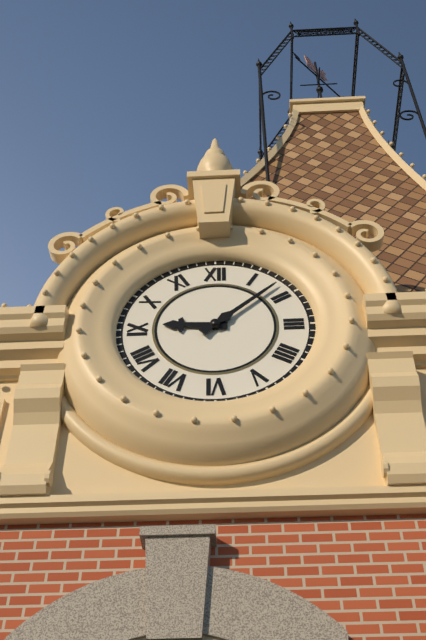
9.08
